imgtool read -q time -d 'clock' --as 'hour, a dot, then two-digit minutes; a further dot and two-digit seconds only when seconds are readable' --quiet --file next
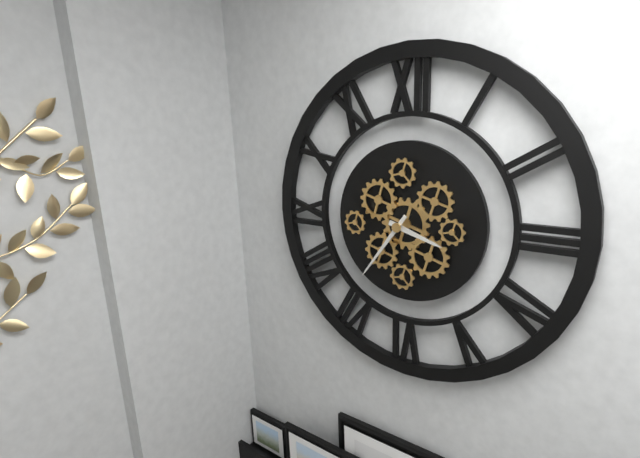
3.36
